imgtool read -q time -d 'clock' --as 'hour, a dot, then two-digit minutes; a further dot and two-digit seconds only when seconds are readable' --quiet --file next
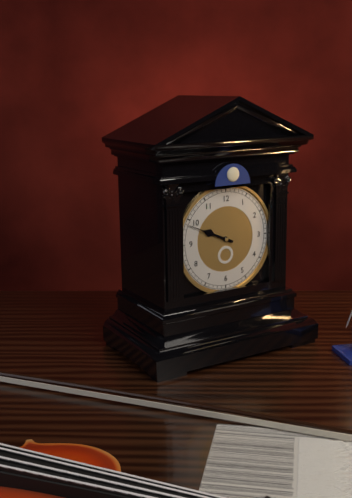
9.49
